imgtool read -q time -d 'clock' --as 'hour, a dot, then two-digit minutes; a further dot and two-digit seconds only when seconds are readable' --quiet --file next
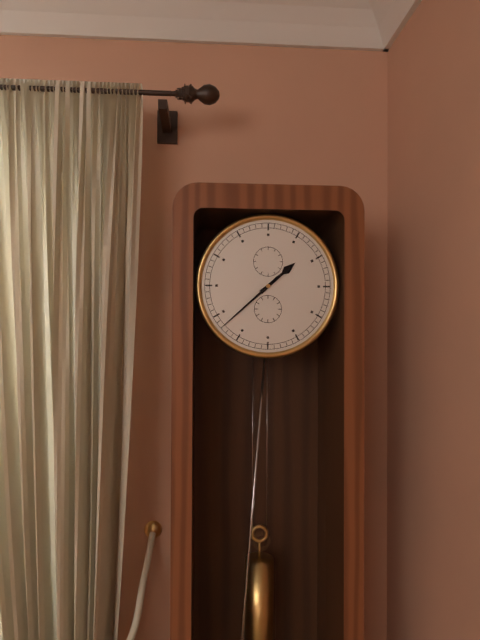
1.38
